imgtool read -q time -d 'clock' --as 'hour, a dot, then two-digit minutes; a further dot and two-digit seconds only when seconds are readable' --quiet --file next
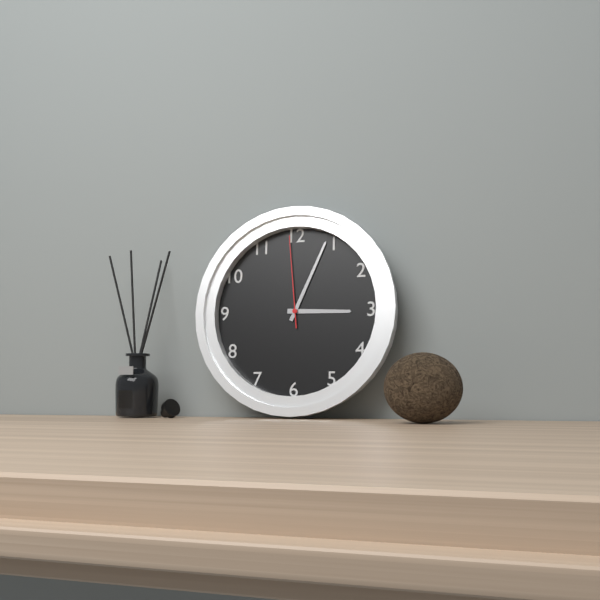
3.04.59
